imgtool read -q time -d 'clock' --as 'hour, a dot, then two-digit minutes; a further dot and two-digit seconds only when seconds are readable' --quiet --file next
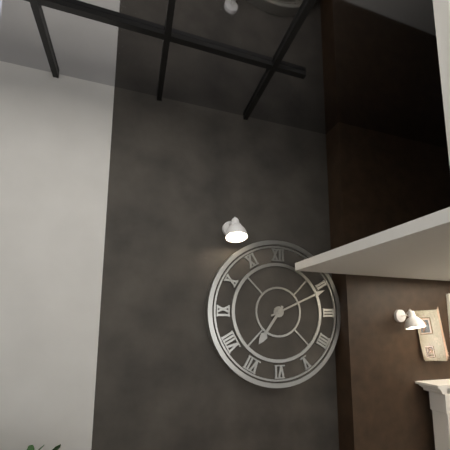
7.11
